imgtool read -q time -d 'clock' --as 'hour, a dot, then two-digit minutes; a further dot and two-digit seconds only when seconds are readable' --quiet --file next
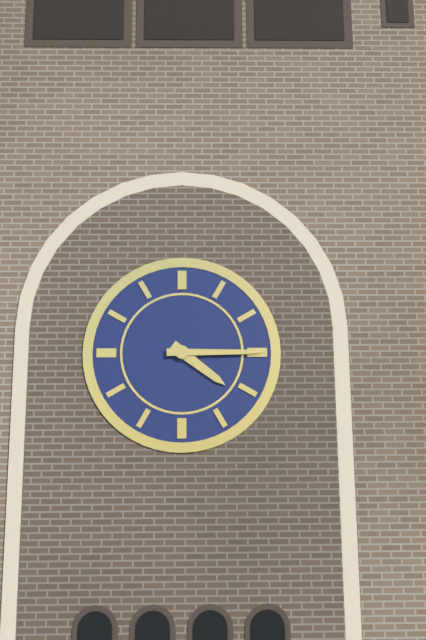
4.15
